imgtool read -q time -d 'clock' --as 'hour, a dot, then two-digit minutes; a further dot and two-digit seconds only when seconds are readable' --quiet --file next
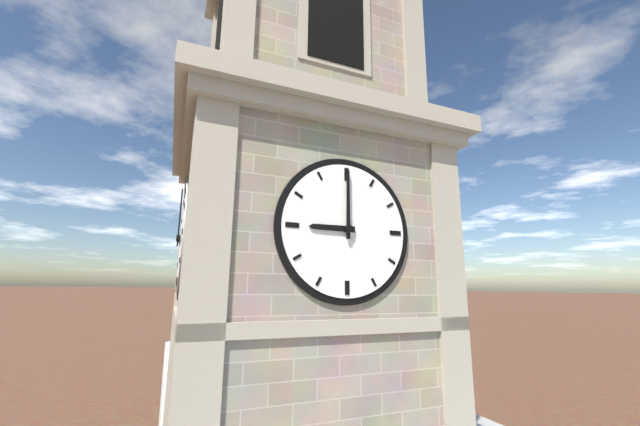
9.00
